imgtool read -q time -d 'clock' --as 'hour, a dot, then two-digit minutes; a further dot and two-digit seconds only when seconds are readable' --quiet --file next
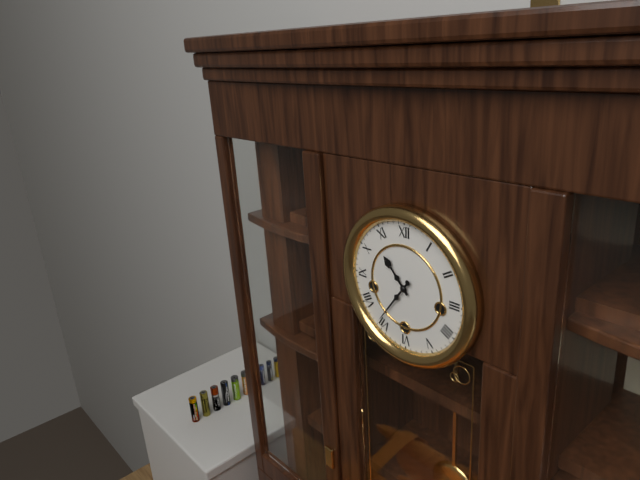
10.36
